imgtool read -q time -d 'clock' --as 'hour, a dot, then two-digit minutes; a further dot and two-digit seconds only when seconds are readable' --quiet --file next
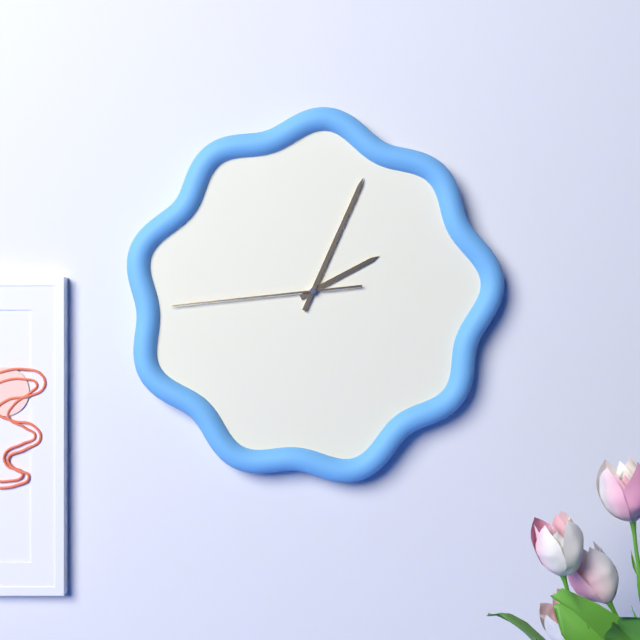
2.04.44
